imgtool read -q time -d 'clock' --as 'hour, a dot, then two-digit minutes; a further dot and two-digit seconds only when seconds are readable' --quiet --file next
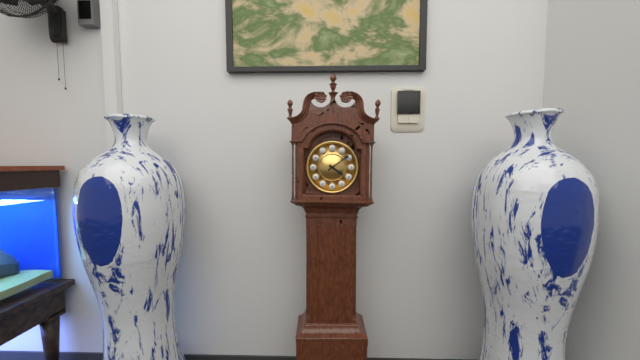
4.09
